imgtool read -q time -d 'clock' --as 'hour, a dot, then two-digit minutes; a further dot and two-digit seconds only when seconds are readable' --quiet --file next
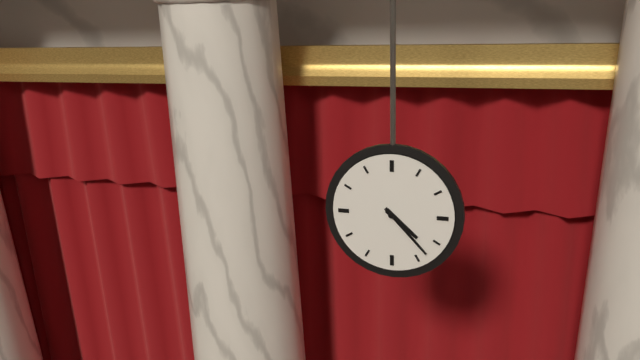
4.23
